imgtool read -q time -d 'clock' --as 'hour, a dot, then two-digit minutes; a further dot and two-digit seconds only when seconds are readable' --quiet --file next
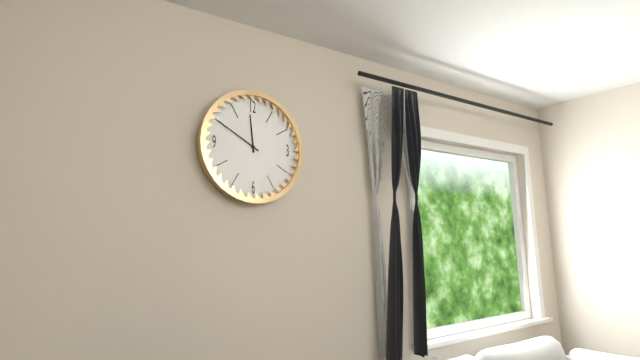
11.50
